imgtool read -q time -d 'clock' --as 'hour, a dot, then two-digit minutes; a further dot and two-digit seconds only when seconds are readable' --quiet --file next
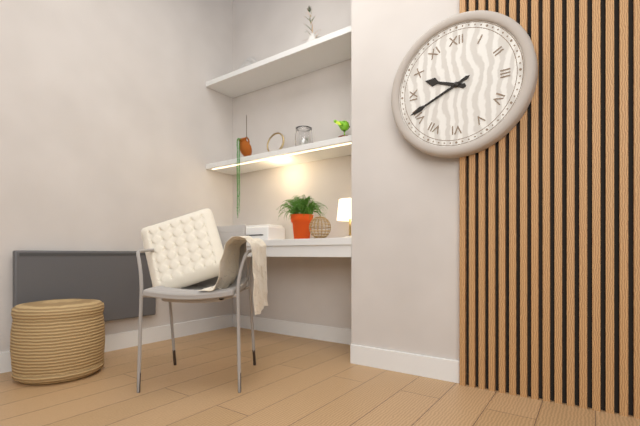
9.41
